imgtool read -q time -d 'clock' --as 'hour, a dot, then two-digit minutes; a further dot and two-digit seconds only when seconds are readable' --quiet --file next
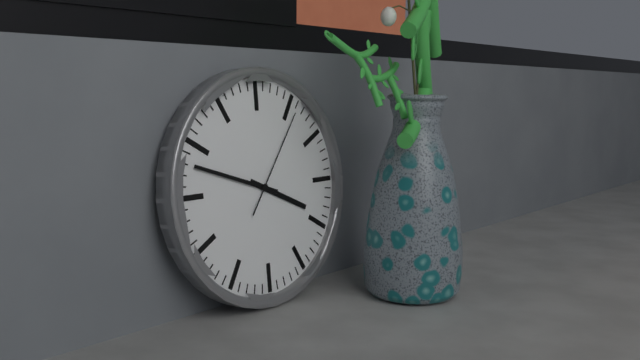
3.48.06
